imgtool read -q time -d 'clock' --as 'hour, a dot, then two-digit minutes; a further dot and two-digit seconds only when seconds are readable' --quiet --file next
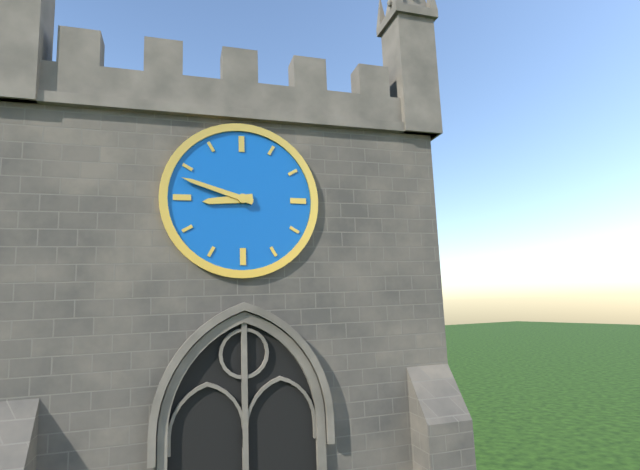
8.48
